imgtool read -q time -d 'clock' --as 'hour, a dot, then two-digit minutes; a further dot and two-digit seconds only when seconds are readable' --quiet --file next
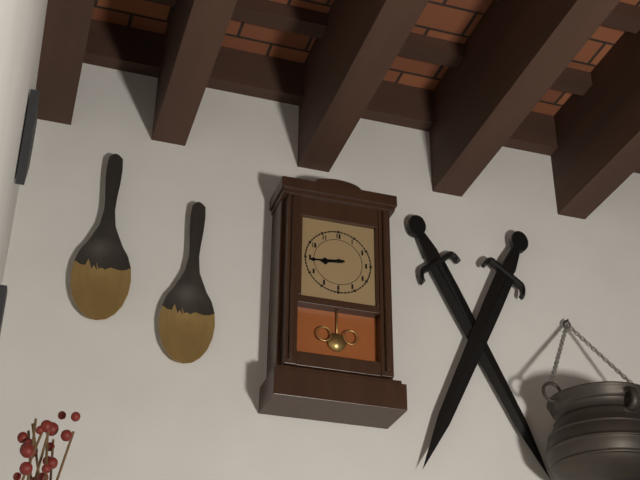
8.44
